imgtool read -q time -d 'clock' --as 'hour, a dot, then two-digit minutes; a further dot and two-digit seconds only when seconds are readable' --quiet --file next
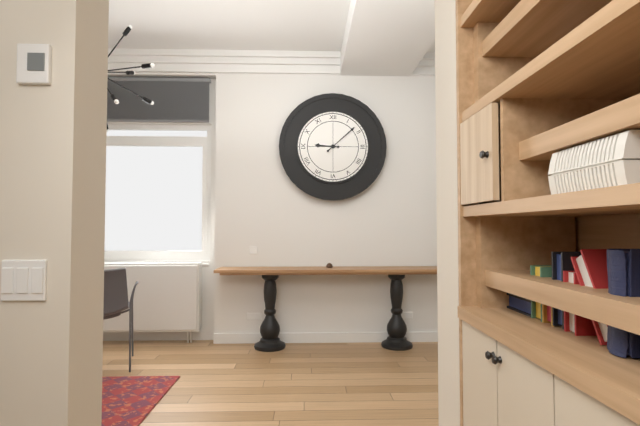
9.08
